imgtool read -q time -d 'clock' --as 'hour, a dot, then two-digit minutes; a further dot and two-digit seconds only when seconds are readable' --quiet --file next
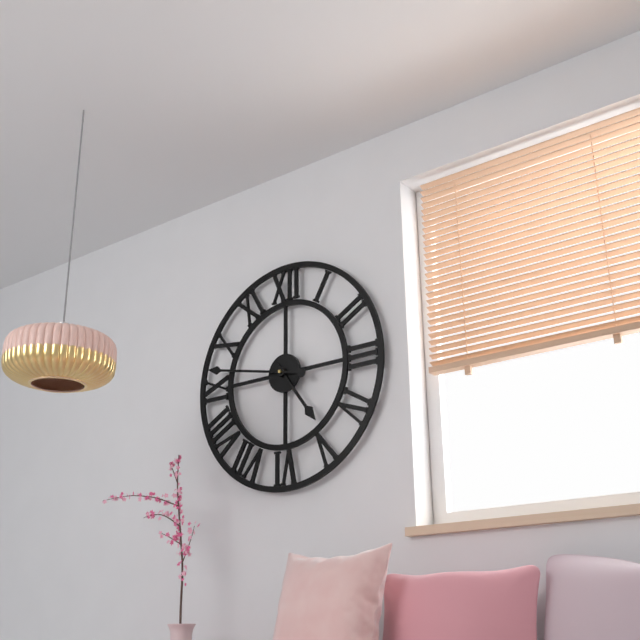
4.47
